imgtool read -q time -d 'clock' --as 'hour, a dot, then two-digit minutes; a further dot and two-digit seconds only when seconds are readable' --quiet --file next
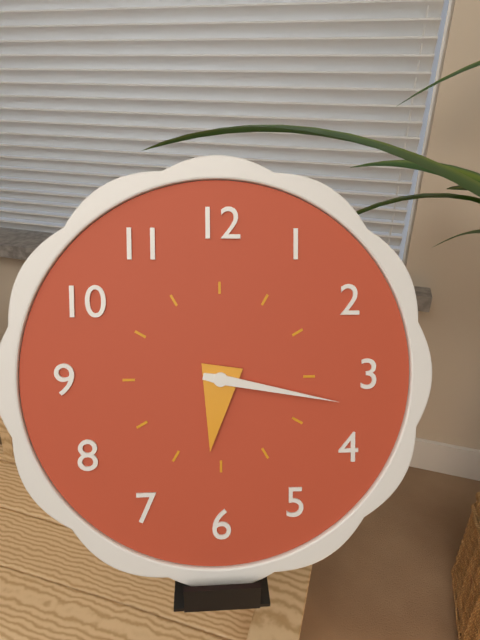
6.17
